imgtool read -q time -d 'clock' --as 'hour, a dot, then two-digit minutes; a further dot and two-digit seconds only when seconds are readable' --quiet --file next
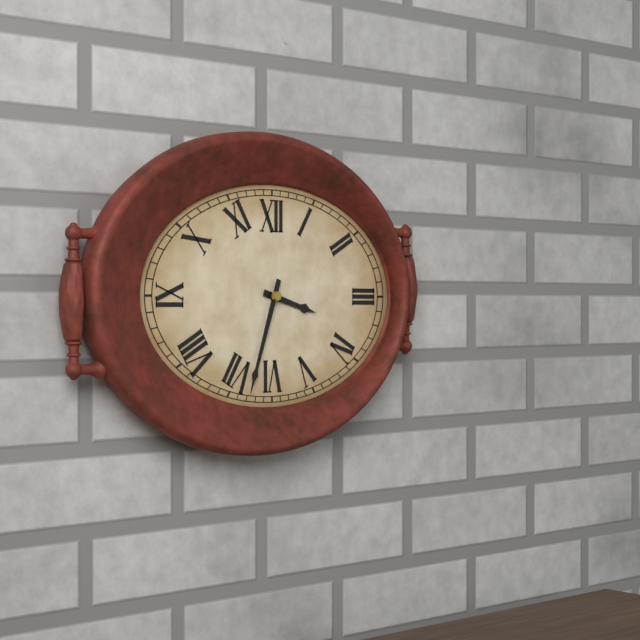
3.33
